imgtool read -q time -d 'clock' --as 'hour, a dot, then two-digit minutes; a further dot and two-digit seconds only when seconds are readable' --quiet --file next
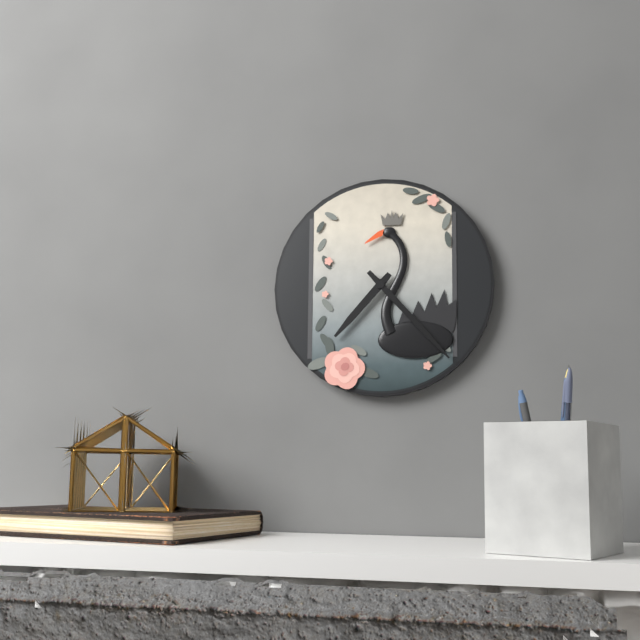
7.23
